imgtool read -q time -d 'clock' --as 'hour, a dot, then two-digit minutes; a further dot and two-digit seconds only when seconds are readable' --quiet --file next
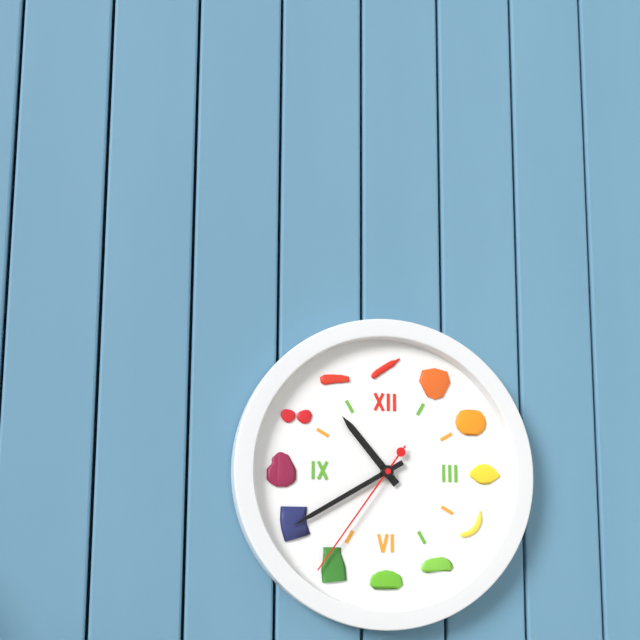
10.40.36
